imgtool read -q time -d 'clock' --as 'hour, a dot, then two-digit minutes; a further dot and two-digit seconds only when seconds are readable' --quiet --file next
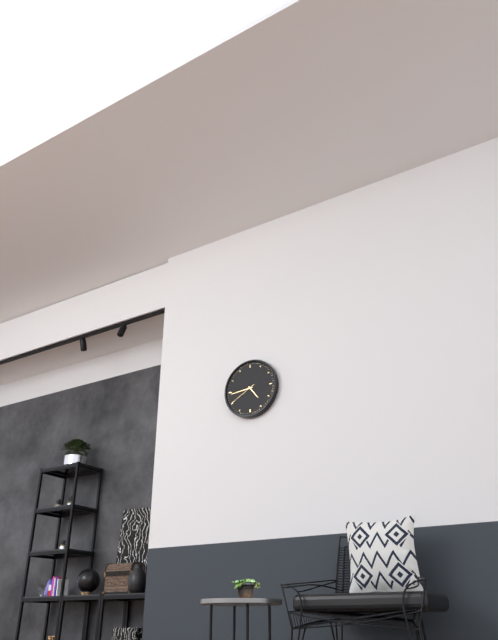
4.44
